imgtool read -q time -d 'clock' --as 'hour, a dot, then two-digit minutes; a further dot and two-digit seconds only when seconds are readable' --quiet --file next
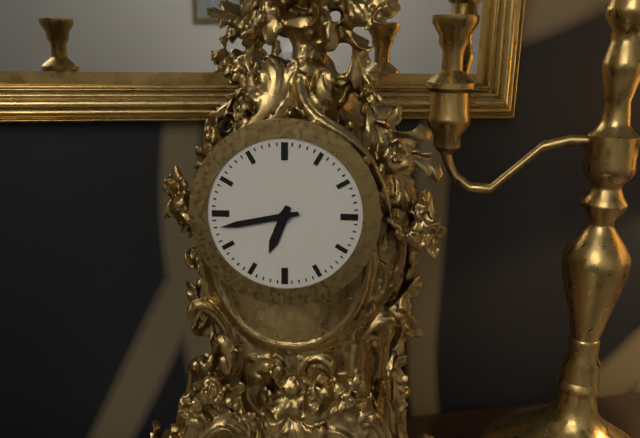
6.43
